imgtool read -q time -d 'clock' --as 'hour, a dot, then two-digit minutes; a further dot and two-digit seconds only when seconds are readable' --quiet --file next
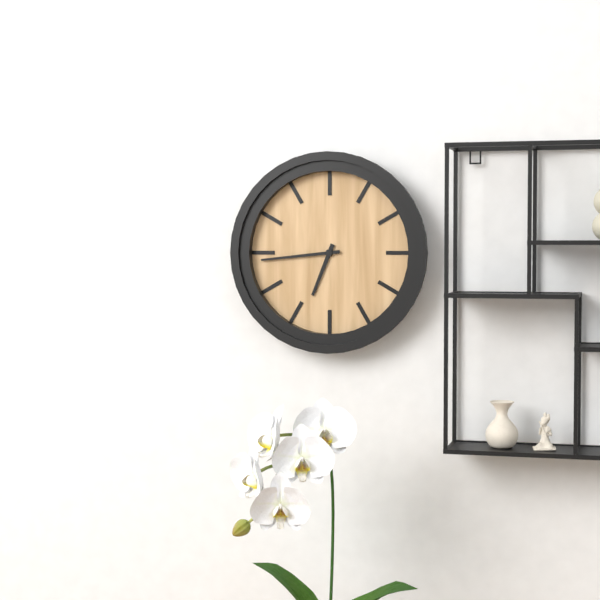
6.44
